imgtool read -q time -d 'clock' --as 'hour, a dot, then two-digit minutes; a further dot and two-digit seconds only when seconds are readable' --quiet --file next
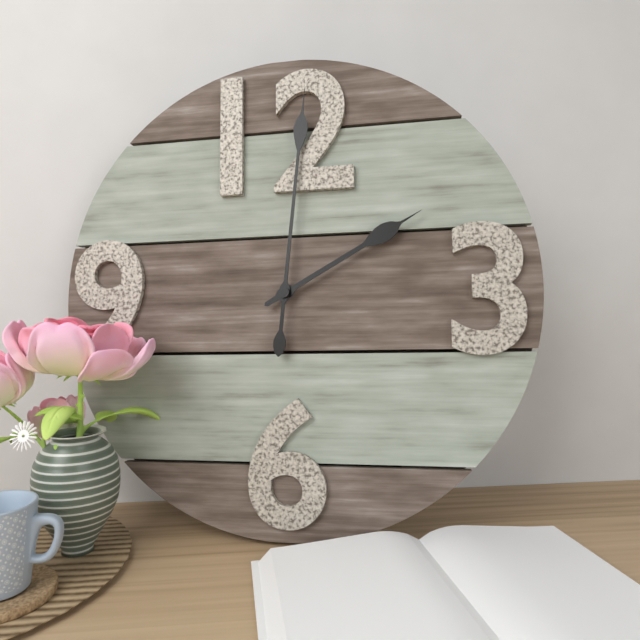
2.01
